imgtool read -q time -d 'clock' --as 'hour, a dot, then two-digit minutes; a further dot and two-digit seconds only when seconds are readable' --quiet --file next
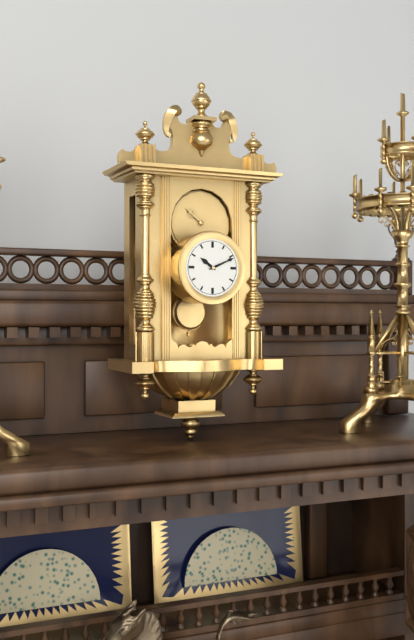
10.11
